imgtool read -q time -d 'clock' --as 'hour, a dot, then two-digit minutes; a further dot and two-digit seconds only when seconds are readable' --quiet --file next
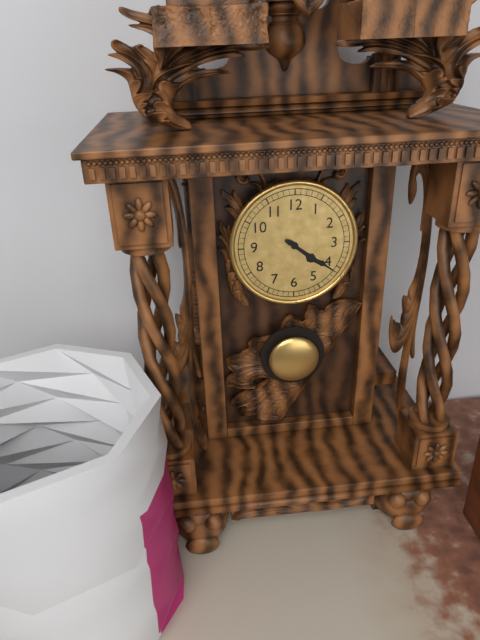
4.21
